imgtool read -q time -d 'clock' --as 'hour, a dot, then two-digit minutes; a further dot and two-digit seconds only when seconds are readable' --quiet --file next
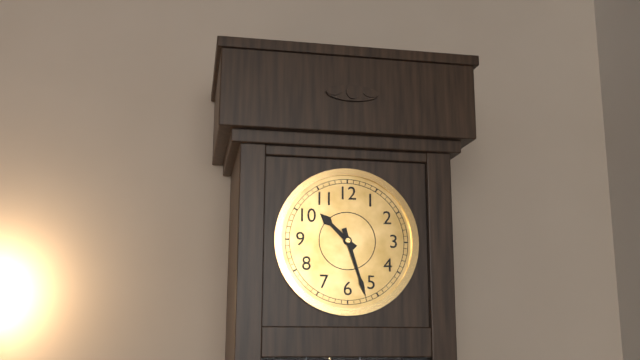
10.27
